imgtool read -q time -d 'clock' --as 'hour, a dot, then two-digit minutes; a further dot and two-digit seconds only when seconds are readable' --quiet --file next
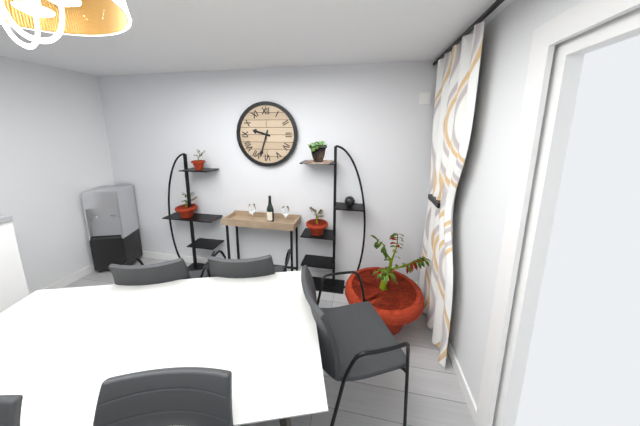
9.33
